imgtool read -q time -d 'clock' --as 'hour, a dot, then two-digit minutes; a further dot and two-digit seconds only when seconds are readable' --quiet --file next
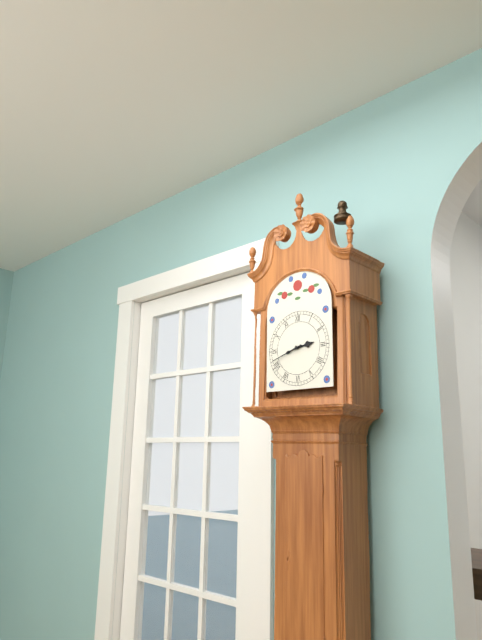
2.42
